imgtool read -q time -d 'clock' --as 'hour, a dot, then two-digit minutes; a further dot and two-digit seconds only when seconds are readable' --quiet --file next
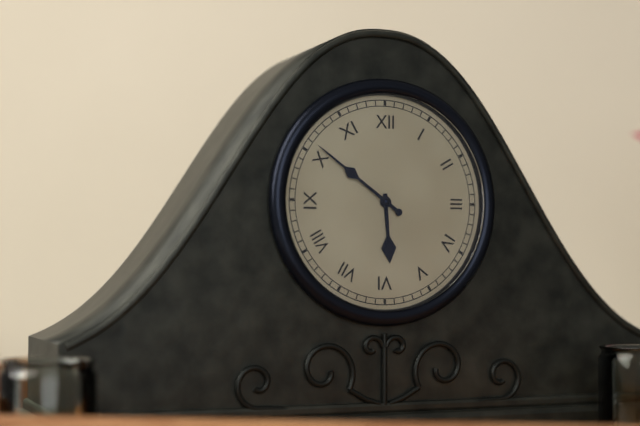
5.51
